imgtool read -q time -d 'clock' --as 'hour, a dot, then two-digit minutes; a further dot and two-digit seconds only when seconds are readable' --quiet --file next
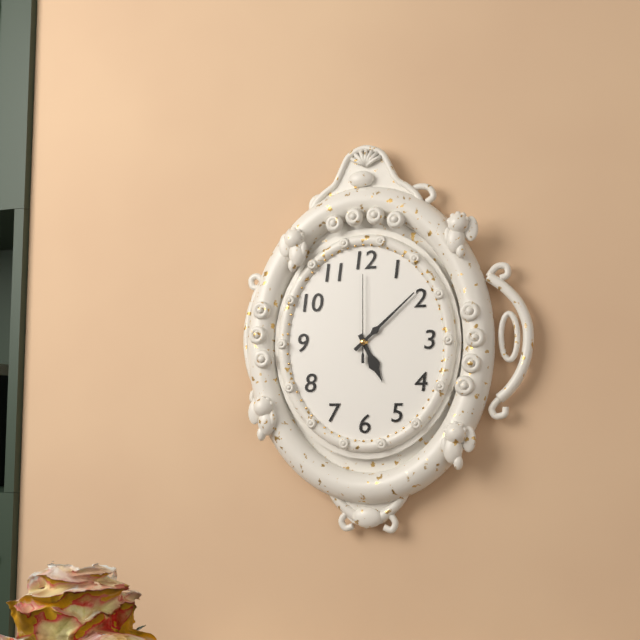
5.08.00
